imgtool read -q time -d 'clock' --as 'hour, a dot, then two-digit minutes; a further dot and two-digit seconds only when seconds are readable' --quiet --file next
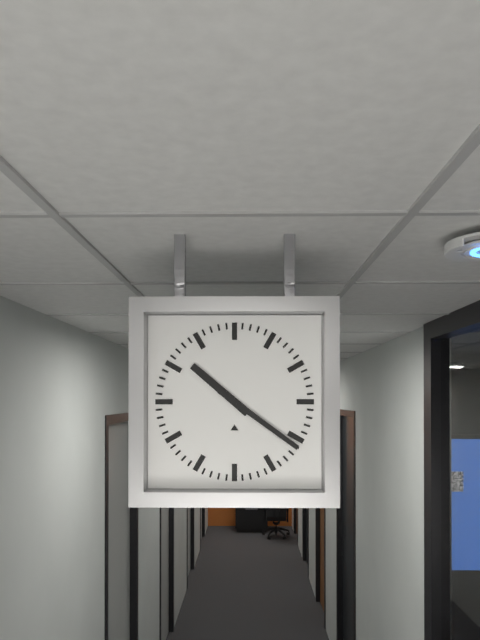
10.21
